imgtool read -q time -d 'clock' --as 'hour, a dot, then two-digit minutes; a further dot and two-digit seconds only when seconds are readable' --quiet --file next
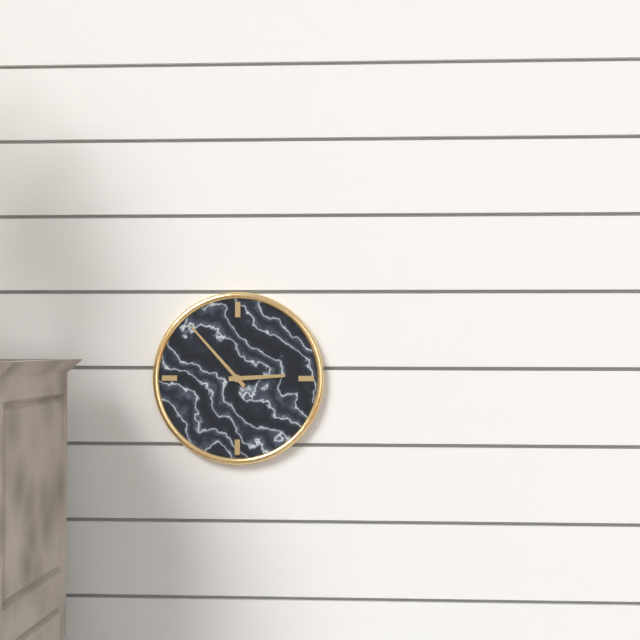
2.53
